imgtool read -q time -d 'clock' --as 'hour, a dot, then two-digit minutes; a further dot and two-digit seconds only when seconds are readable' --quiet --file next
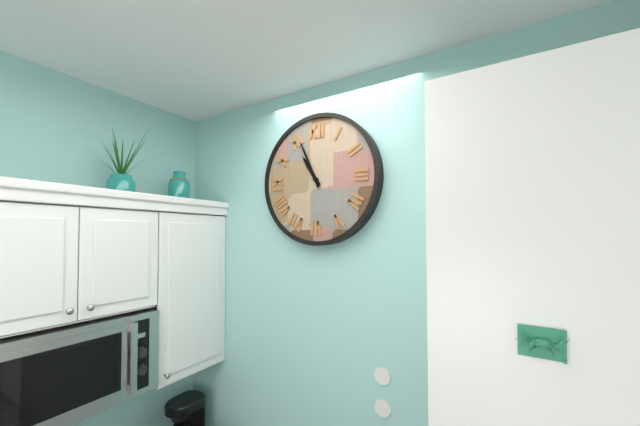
10.56
